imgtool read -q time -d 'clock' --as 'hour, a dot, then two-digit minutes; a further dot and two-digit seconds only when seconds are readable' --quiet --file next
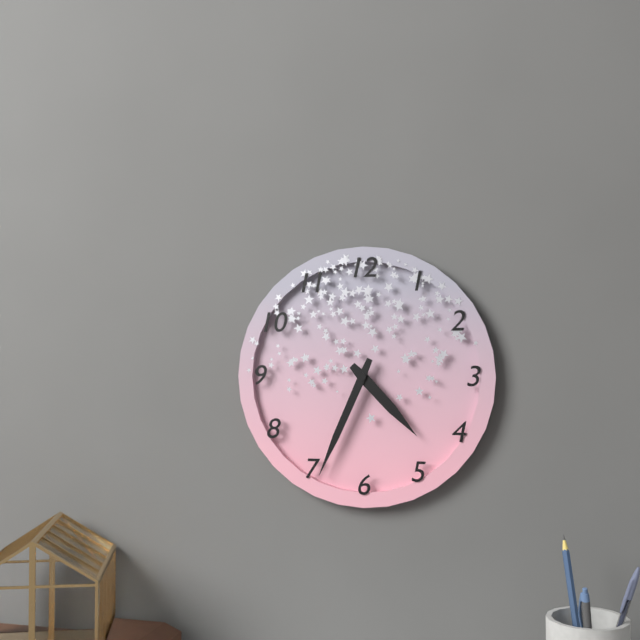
4.34
